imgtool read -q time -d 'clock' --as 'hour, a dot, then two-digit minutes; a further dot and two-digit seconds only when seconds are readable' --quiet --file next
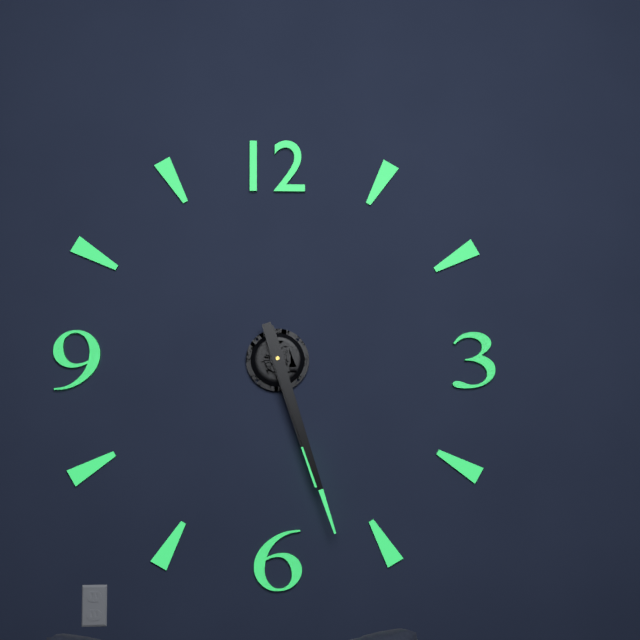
5.27
